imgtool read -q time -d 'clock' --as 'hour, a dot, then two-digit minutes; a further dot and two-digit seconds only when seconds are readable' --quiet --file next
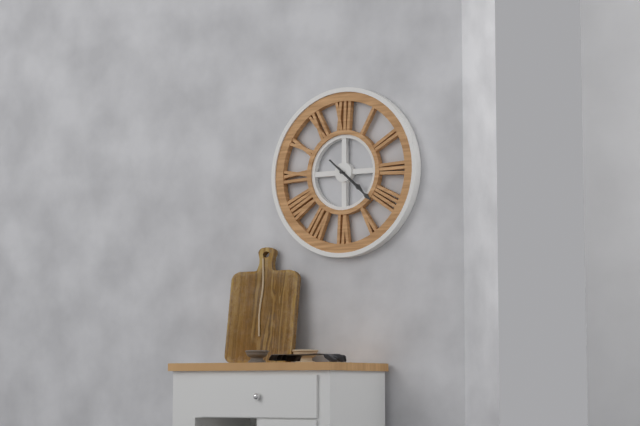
4.22
